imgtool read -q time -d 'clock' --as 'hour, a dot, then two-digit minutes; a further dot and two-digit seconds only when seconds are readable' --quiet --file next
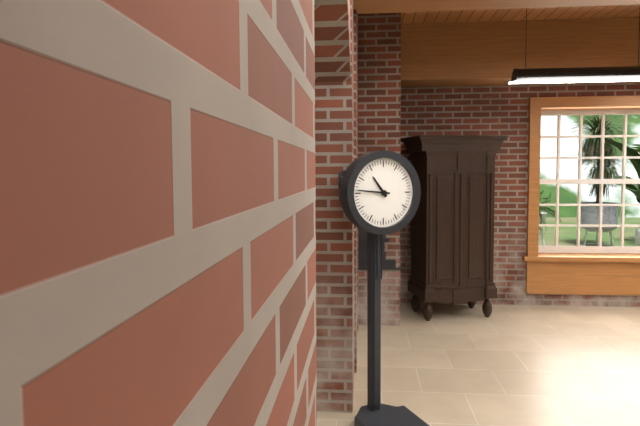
10.46
